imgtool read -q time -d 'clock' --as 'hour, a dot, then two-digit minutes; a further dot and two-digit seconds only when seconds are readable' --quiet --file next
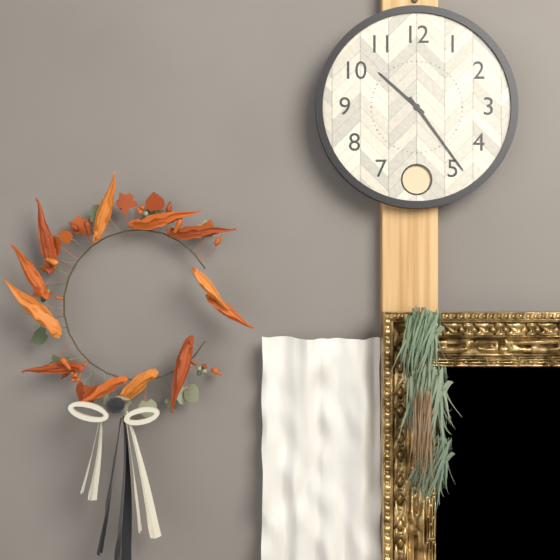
10.24
